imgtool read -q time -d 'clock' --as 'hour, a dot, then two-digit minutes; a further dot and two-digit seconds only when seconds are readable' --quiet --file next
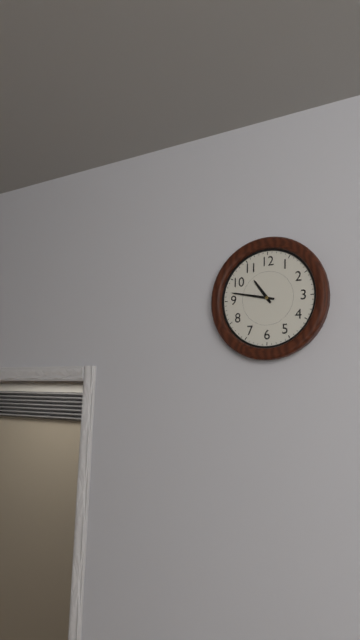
10.47
